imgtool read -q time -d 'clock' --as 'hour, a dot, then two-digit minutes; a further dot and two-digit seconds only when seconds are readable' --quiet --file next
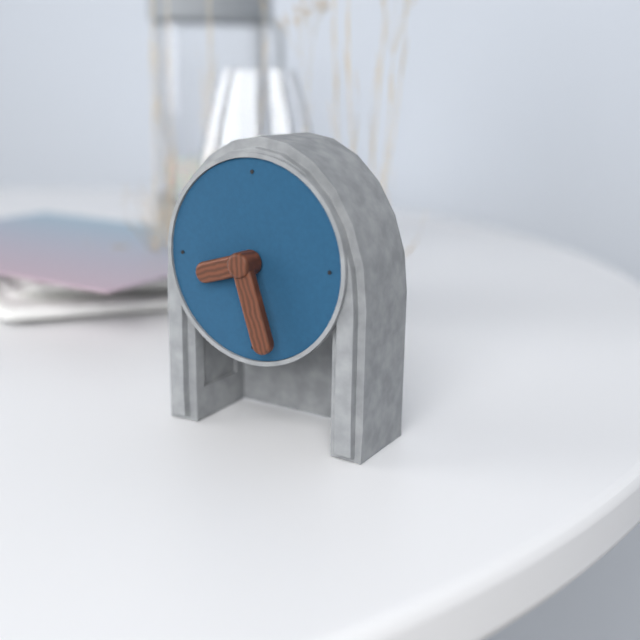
8.27
